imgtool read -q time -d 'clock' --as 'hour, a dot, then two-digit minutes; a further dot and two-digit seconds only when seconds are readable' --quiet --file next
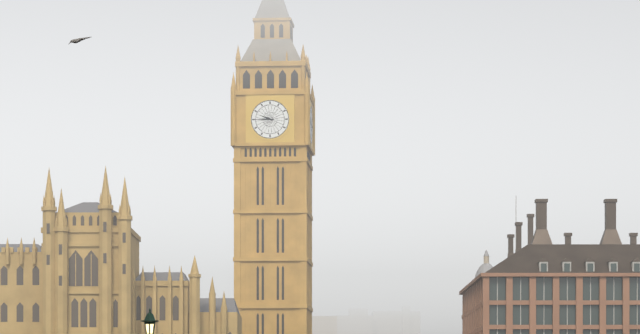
9.45
